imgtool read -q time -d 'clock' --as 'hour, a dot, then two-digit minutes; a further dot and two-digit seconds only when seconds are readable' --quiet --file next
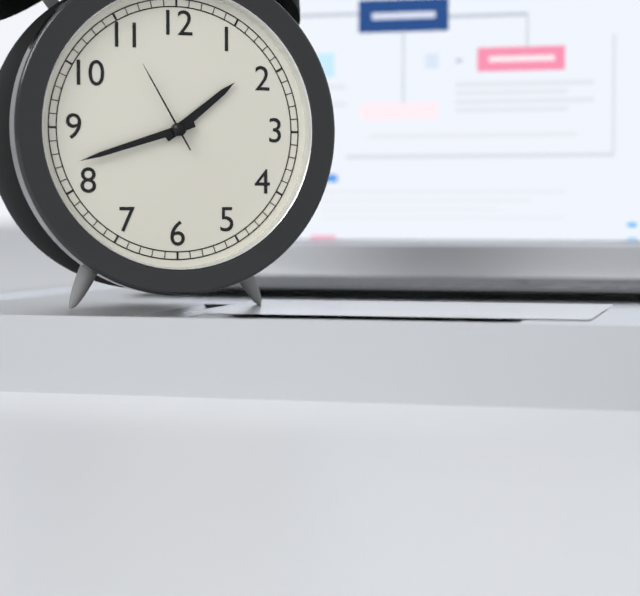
1.42.55
